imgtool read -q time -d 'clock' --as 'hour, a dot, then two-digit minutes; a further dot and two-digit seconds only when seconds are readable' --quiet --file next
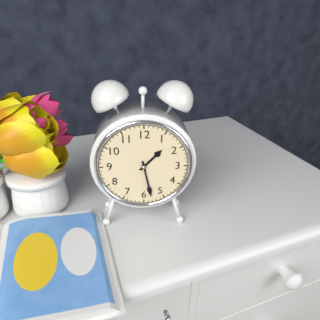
1.28
